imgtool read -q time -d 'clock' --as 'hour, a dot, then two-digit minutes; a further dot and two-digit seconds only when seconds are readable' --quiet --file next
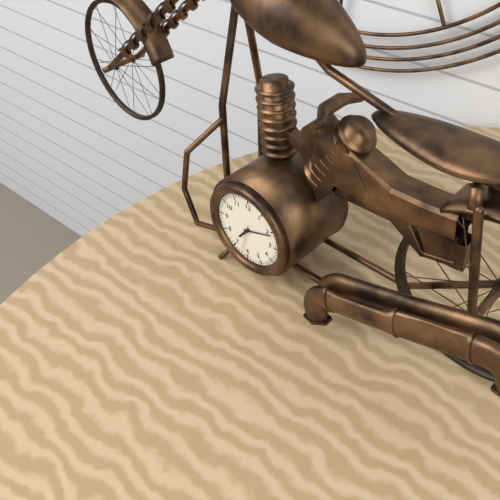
7.11
